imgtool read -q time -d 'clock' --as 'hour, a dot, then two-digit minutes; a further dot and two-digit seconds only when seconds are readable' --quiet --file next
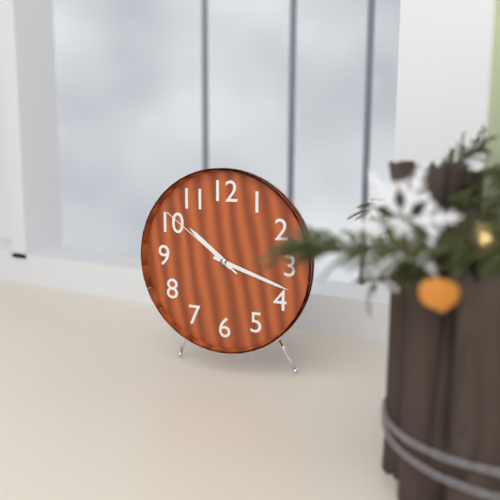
10.18.51
